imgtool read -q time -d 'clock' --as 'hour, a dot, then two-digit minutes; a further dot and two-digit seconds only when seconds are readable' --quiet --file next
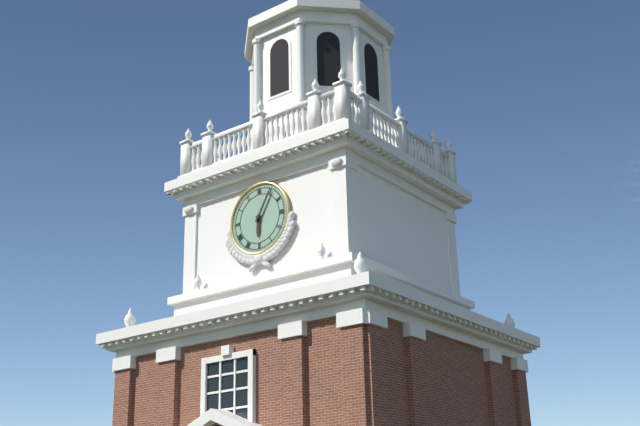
6.05
